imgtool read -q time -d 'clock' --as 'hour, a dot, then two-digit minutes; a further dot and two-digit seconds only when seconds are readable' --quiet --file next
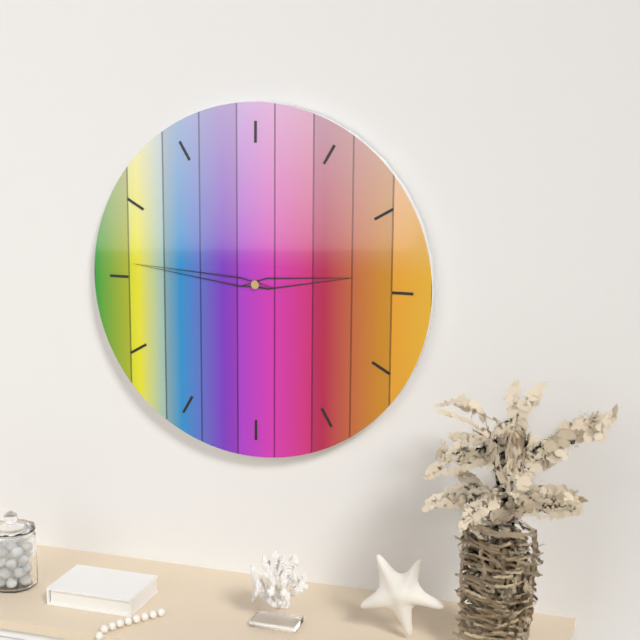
2.46
